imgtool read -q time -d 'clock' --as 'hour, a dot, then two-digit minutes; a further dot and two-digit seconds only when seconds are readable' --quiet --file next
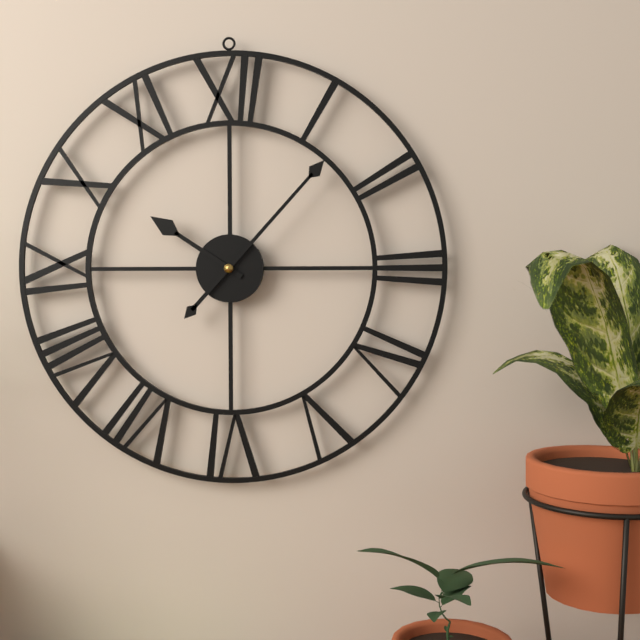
10.07
